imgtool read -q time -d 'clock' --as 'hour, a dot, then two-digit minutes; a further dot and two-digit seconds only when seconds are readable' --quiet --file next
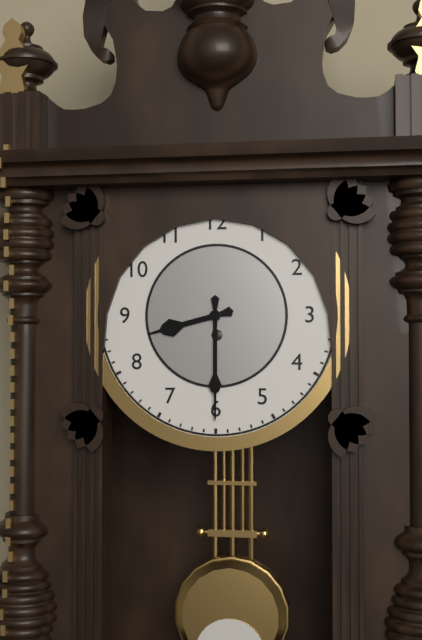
8.30
